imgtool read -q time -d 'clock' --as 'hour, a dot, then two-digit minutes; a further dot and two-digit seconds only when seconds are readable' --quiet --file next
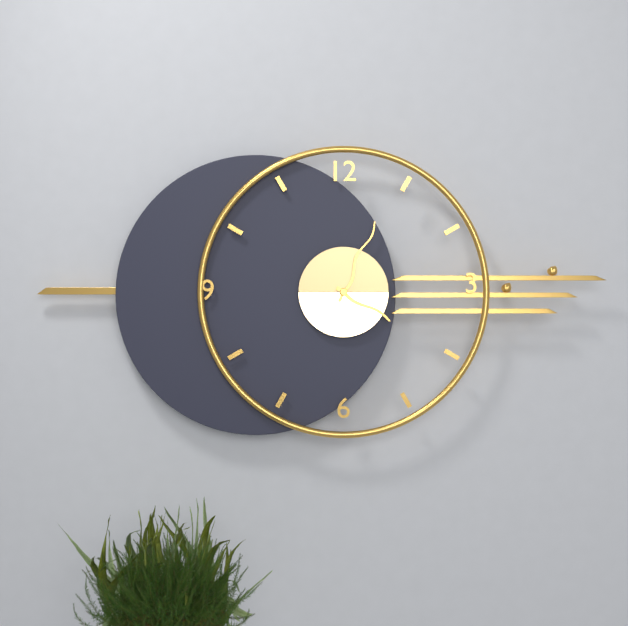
4.04
